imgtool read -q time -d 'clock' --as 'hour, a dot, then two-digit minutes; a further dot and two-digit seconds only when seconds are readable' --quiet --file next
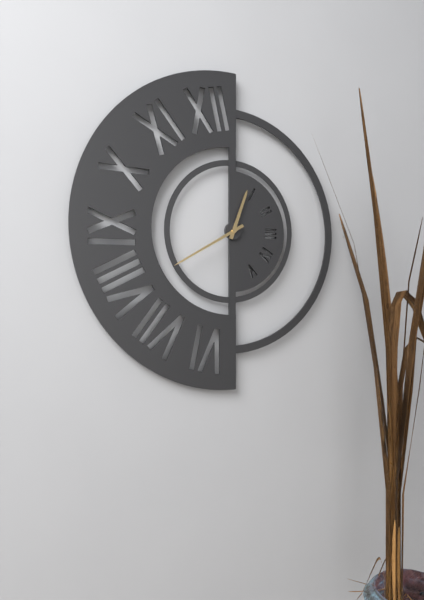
12.40
